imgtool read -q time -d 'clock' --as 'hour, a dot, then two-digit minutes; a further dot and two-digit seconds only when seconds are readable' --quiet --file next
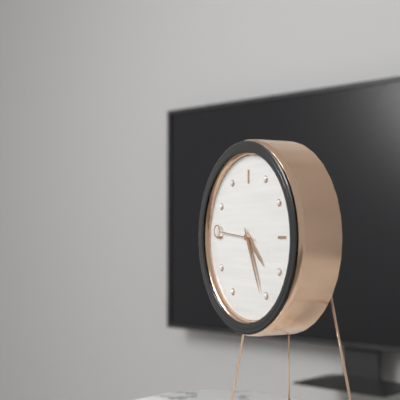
4.26
